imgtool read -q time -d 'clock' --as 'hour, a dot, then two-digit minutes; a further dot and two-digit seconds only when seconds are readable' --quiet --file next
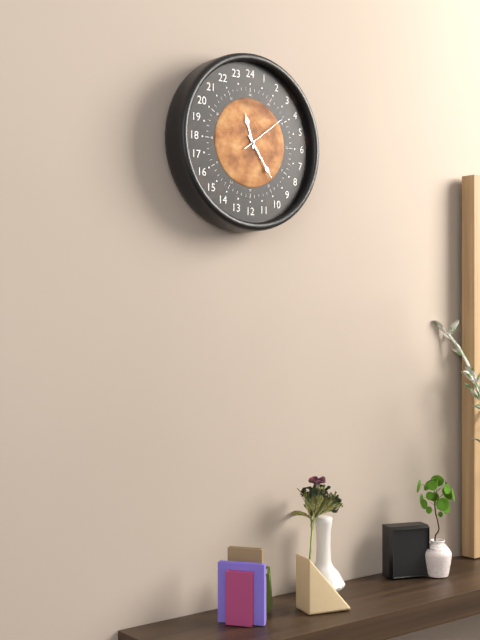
11.24.09
